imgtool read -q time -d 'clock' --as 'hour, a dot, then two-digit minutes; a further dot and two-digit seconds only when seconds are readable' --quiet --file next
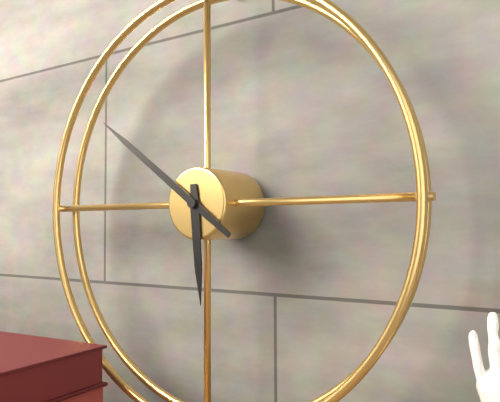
5.51
